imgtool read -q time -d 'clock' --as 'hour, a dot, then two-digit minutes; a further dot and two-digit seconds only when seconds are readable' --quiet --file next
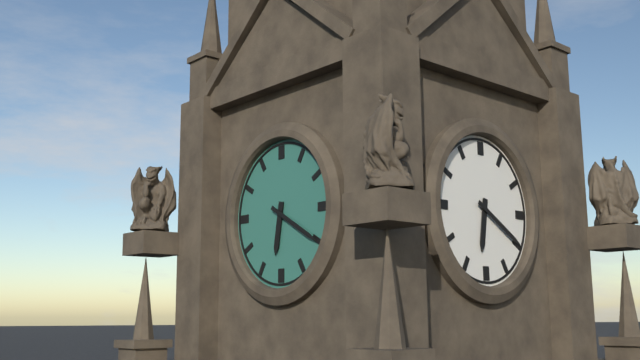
6.20
